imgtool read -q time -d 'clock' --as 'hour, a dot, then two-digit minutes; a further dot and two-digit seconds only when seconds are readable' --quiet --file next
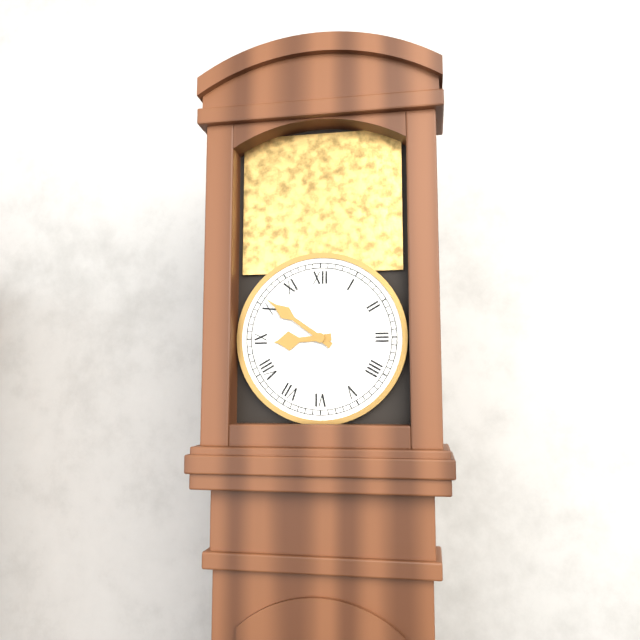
8.51
